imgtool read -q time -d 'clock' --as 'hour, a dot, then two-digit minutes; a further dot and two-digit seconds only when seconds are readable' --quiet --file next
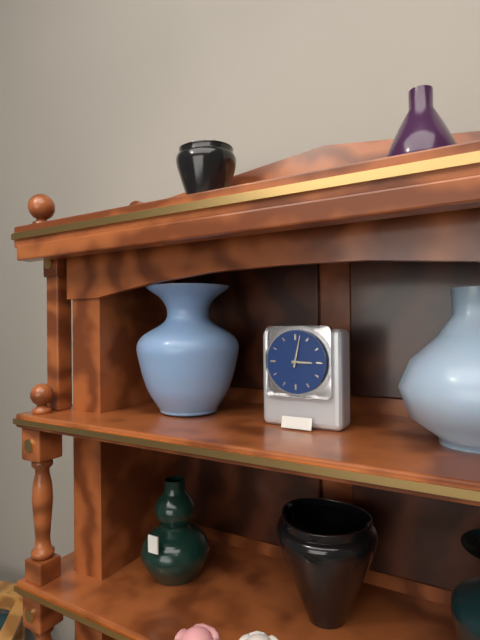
3.02
